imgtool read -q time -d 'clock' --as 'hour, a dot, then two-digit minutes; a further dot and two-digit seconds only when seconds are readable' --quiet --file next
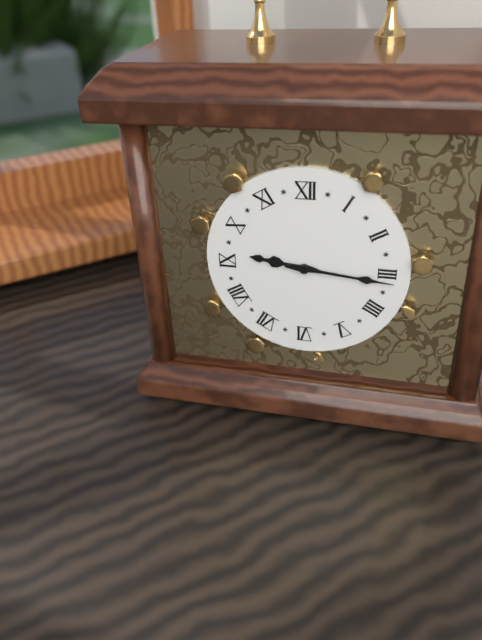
9.16
